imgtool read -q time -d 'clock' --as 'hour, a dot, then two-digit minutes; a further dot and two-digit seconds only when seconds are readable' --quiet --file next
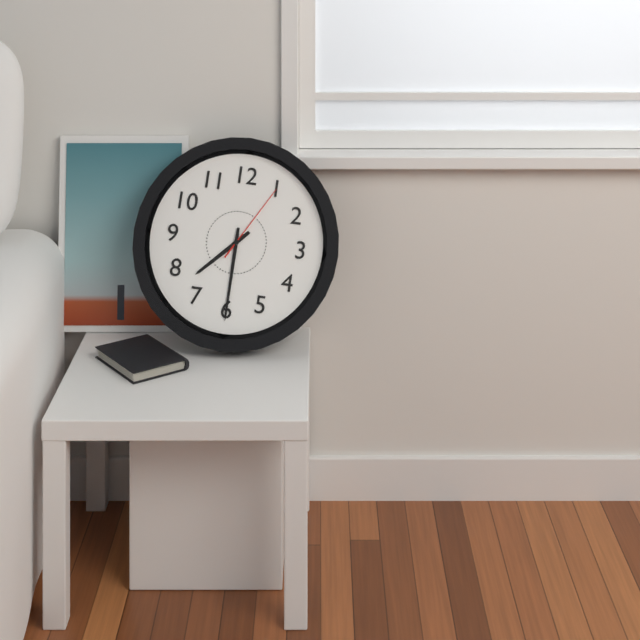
7.30.05
